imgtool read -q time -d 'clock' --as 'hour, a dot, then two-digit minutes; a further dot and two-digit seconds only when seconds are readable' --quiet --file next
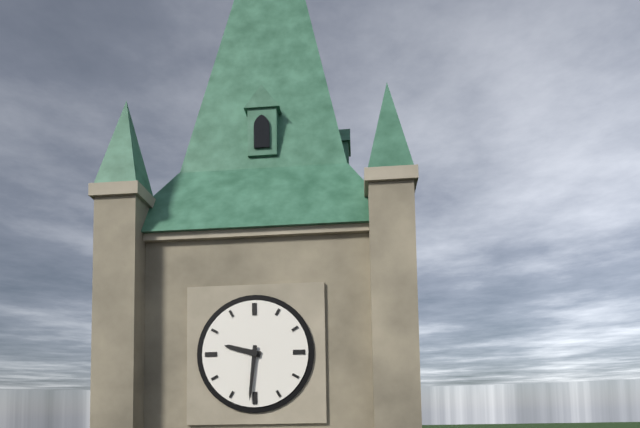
9.31
